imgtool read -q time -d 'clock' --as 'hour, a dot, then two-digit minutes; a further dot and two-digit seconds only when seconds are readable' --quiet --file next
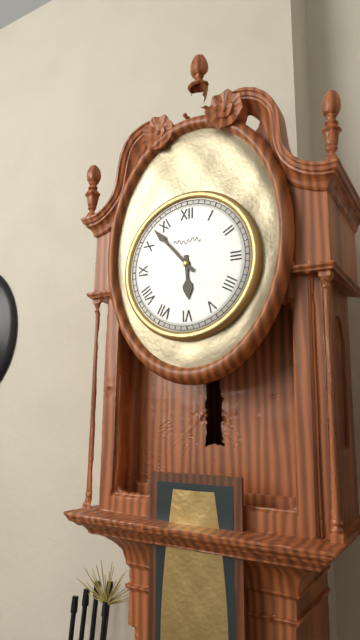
5.53
